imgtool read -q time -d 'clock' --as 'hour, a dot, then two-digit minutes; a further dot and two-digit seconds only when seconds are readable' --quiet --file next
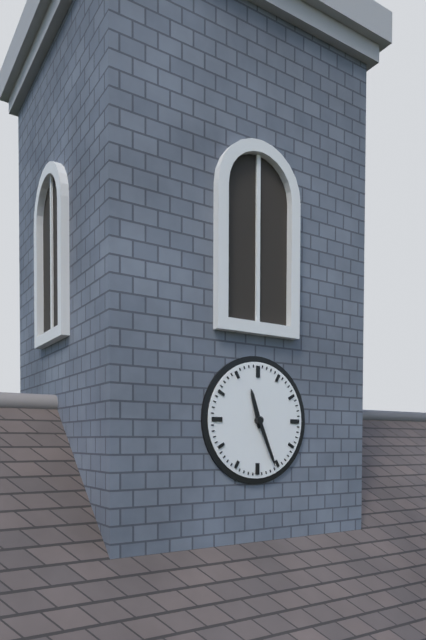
11.26
